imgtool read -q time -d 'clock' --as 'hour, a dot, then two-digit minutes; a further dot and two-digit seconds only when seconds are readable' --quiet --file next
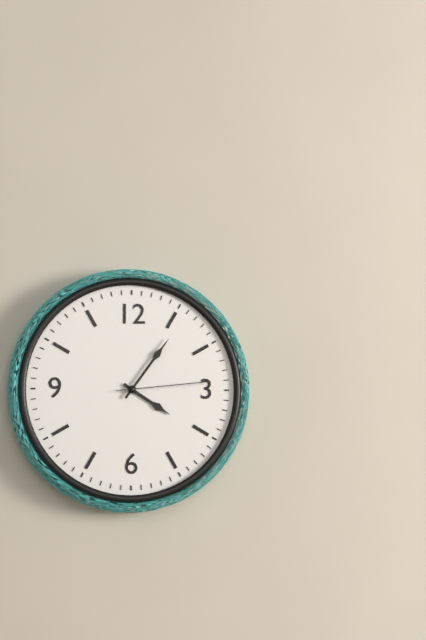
4.06.14
